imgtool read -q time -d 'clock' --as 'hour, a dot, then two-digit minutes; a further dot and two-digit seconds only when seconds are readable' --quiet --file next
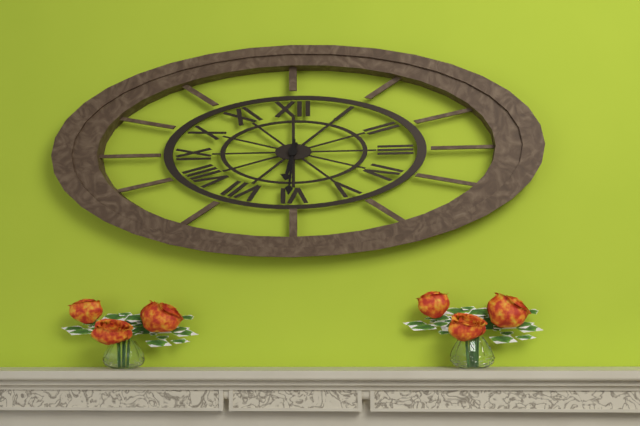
6.31
